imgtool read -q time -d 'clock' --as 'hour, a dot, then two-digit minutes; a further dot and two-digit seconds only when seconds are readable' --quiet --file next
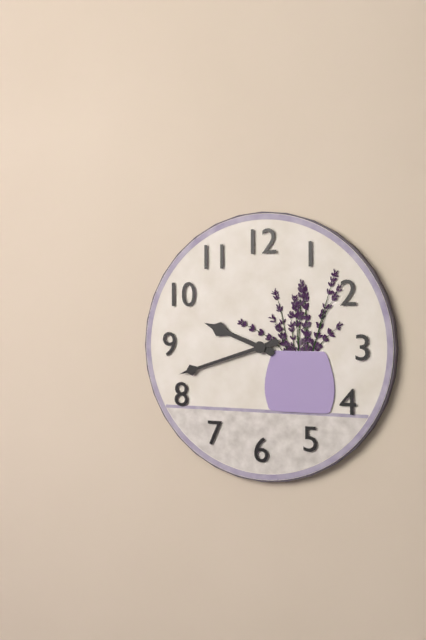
9.42
